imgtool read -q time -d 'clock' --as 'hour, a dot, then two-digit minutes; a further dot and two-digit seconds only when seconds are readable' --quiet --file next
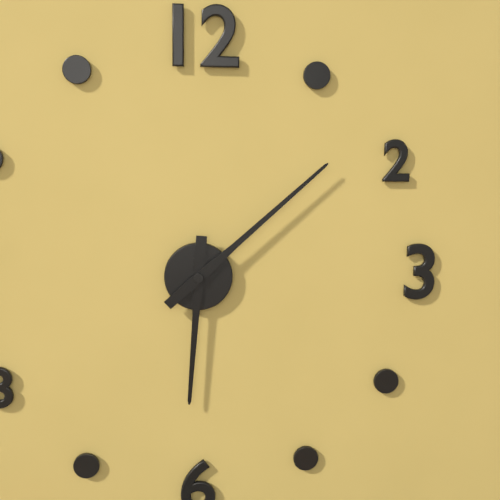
6.08
